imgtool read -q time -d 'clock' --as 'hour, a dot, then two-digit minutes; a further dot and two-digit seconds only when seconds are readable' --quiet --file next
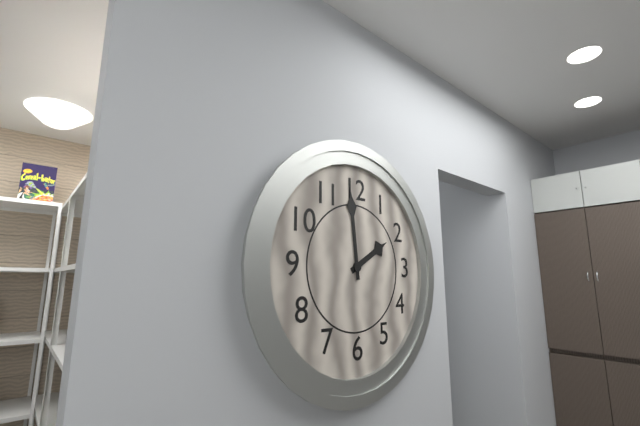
1.59
